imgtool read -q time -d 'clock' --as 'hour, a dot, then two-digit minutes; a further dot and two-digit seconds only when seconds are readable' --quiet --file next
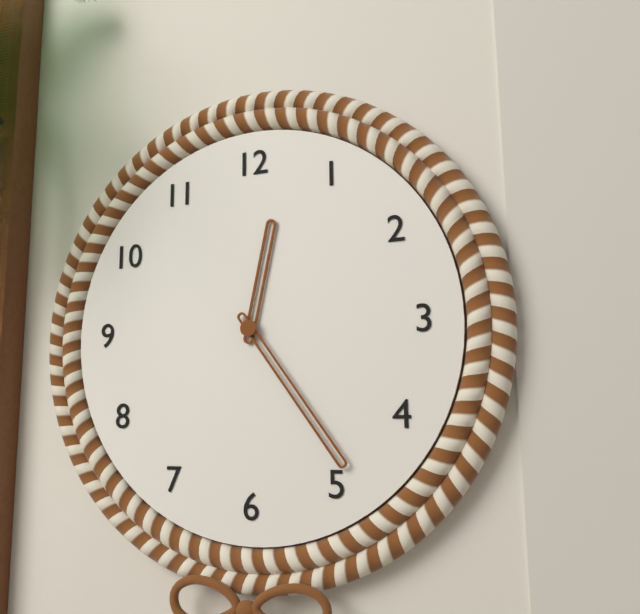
12.24
